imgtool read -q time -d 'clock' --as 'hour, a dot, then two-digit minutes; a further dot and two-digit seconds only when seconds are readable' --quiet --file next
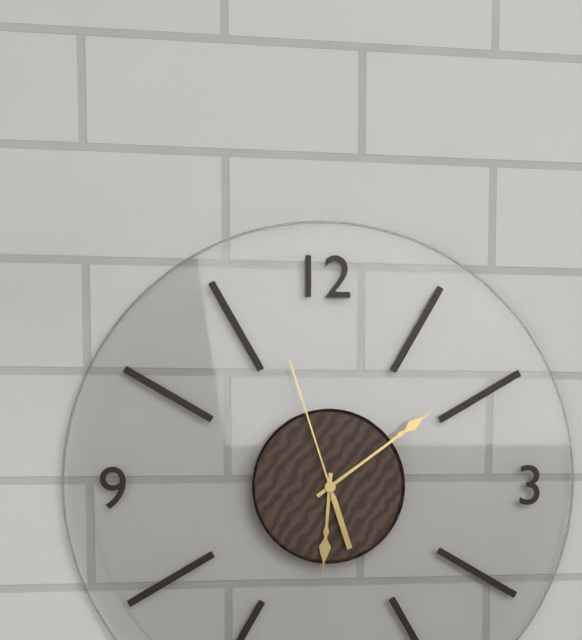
6.09.57
